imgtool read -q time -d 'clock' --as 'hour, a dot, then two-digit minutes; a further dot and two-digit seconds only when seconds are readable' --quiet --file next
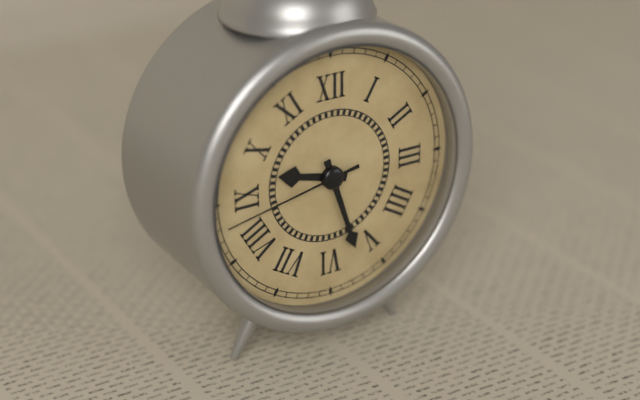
9.27.43
